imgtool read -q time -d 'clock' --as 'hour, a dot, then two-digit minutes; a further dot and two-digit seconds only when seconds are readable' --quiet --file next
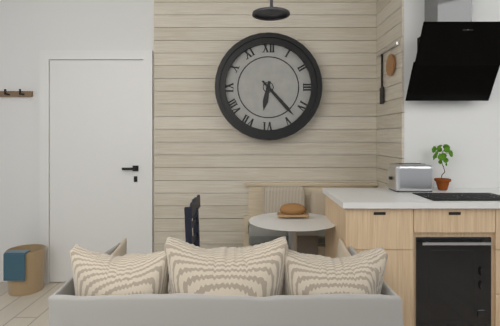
6.23
